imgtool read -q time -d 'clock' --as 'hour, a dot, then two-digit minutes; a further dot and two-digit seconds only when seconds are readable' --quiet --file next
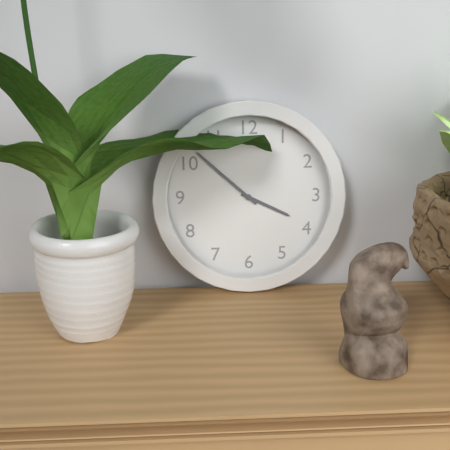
3.52
